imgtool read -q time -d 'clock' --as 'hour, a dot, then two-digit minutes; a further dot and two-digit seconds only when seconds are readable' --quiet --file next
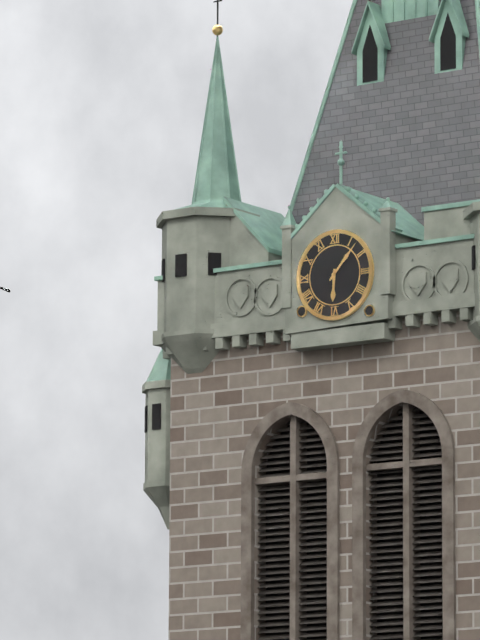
6.07
